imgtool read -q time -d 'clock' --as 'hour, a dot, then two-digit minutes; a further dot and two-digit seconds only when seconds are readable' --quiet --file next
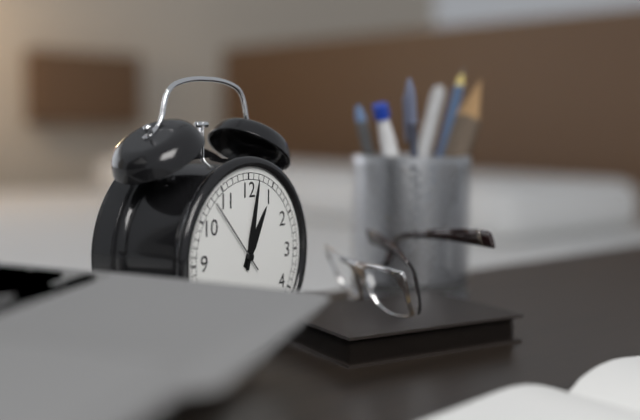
1.02.53
